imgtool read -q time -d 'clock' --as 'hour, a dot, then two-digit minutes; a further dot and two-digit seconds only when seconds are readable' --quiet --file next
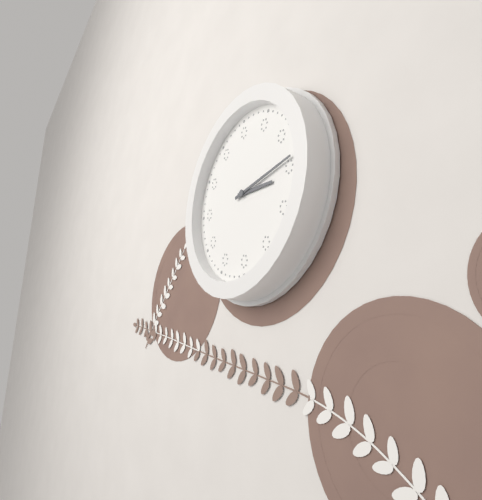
3.14
